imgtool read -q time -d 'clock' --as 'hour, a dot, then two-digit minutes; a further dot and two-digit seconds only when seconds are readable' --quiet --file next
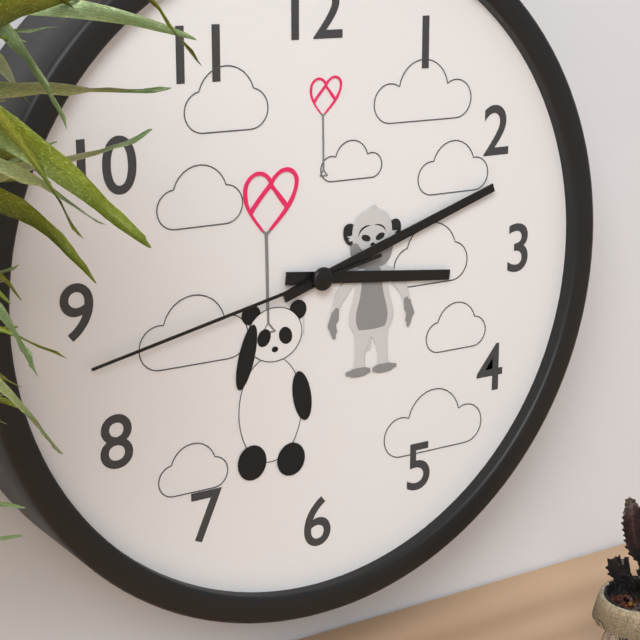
3.12.43
